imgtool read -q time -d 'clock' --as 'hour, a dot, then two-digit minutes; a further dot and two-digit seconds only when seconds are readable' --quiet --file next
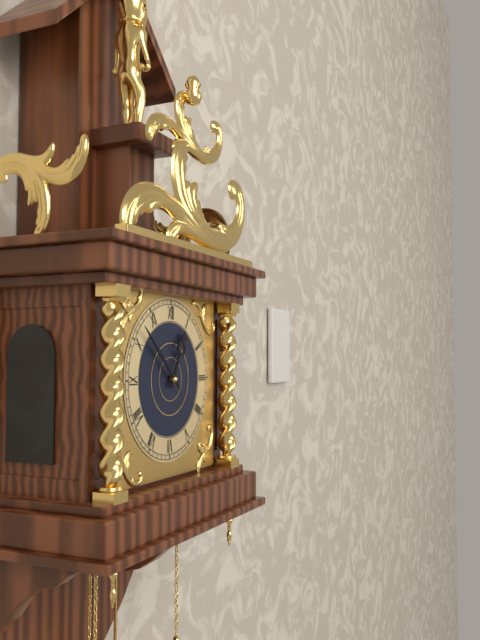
12.52
